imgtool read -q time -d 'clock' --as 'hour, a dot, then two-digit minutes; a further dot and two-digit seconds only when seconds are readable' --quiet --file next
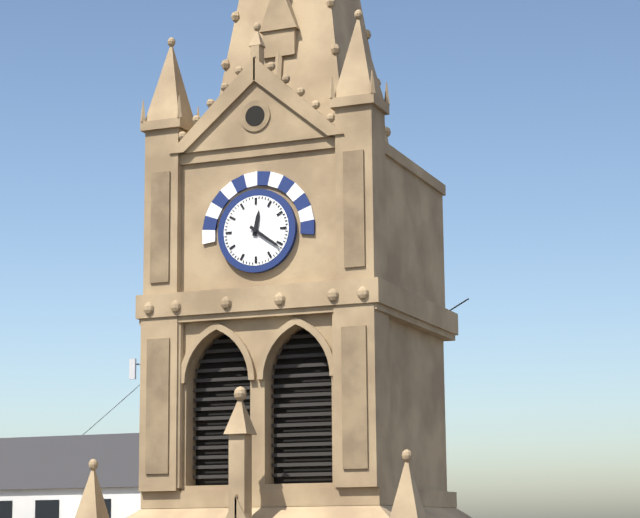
12.21
